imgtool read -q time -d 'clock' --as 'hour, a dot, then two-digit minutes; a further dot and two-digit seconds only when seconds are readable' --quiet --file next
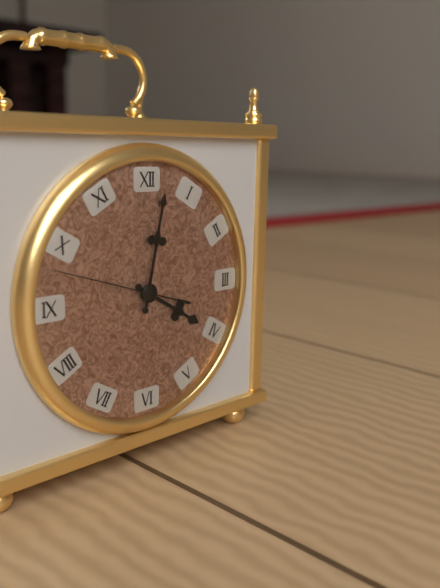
4.02.48
